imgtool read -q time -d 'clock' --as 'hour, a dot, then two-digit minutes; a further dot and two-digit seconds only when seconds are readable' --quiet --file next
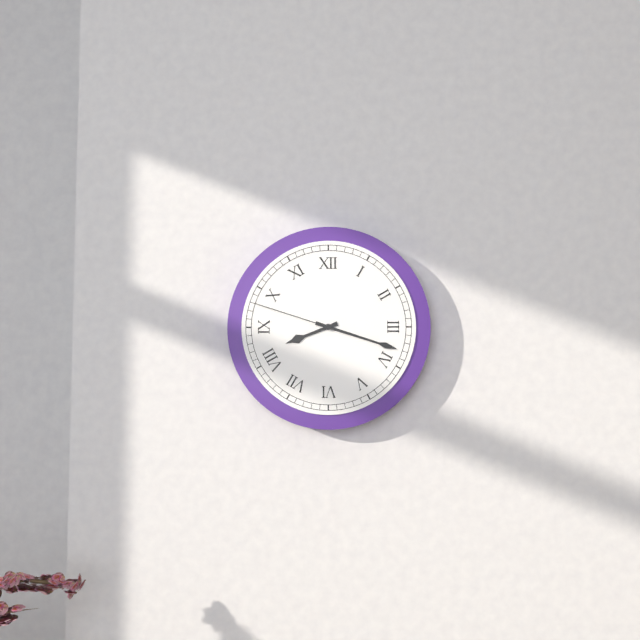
8.18.48
